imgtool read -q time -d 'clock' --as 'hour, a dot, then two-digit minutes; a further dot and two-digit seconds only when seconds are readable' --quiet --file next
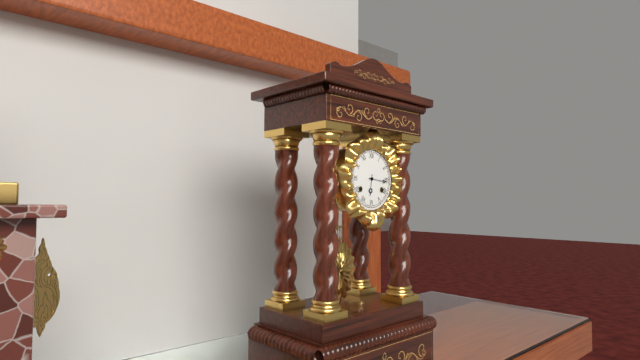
6.16
